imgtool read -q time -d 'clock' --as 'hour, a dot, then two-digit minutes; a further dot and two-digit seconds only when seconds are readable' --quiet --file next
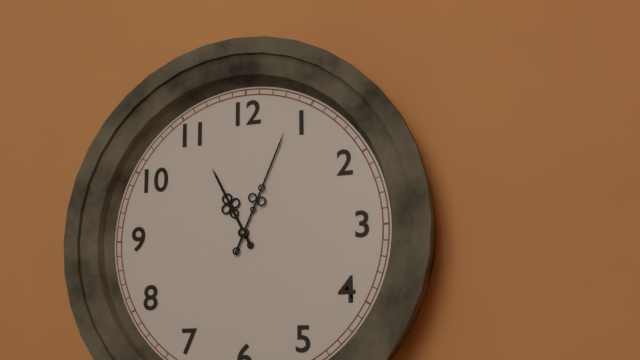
11.04
